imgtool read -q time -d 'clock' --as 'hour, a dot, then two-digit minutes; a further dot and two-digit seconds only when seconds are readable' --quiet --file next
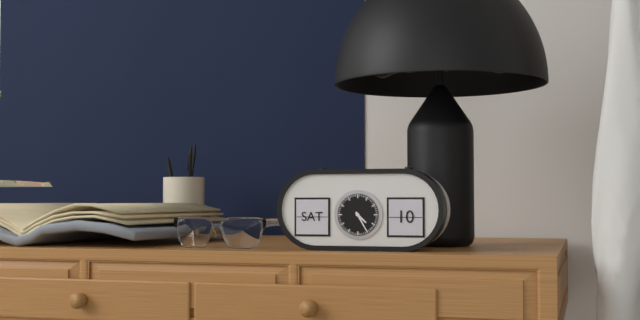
4.25
